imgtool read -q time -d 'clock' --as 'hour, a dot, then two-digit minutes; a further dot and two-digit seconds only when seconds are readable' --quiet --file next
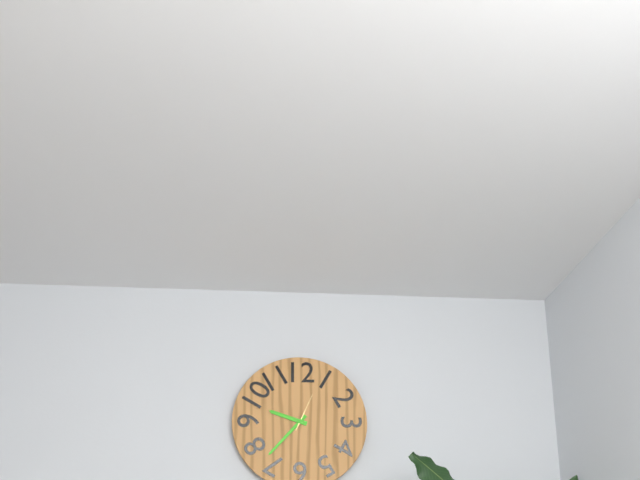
9.37
